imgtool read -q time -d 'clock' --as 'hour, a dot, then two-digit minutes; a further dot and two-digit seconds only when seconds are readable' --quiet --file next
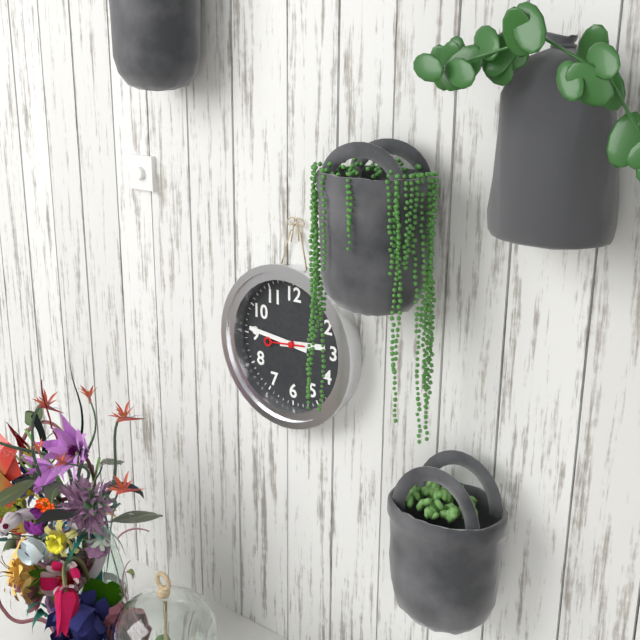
2.46
